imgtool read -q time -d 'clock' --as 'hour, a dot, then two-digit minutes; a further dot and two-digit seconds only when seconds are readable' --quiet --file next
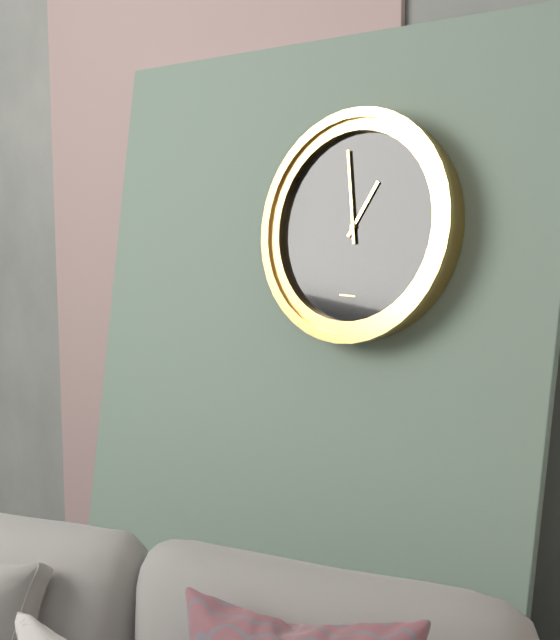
12.58
